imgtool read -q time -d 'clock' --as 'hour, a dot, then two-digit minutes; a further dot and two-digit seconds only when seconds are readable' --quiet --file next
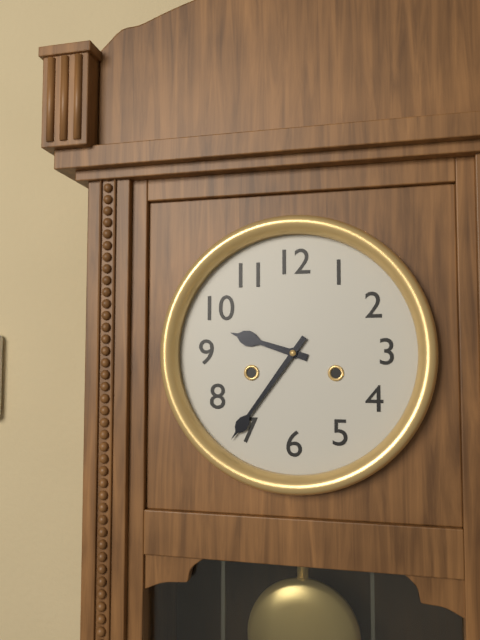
9.36
